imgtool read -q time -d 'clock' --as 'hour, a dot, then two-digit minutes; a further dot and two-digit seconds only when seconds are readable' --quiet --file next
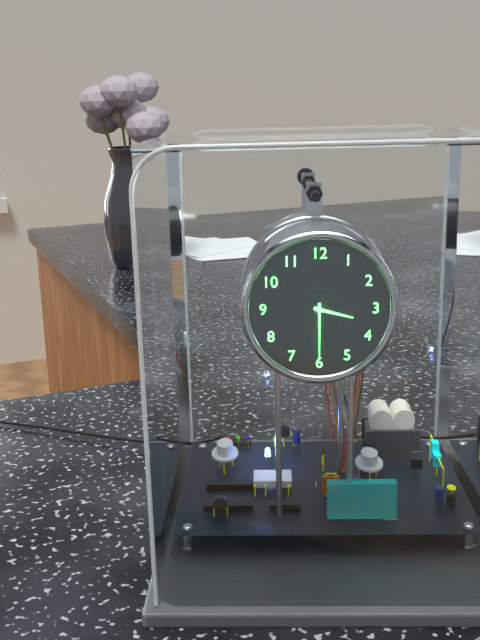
3.30
